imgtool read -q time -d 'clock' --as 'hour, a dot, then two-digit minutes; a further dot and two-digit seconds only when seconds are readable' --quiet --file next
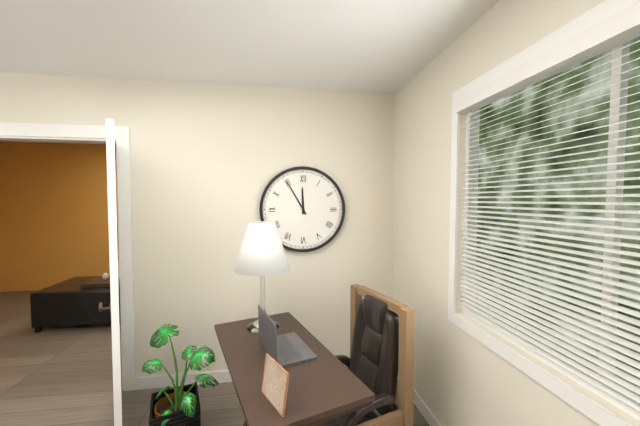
11.55
